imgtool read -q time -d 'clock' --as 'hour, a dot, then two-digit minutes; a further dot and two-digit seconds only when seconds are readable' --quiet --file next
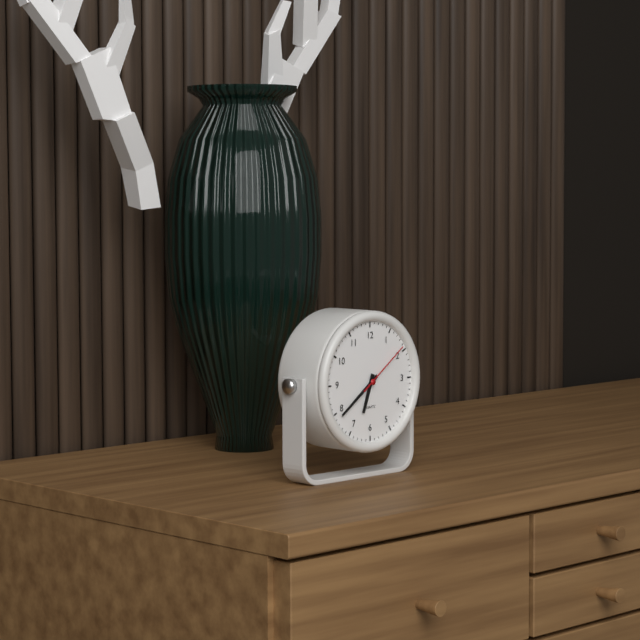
6.39.09
